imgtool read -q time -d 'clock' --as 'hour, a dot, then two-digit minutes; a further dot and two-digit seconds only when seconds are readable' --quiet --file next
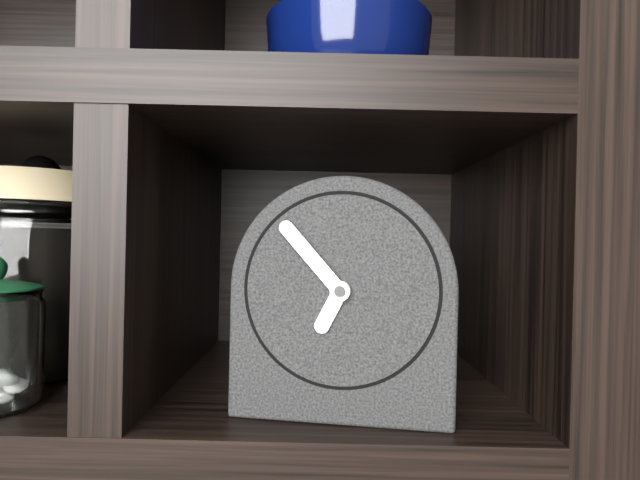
6.53
